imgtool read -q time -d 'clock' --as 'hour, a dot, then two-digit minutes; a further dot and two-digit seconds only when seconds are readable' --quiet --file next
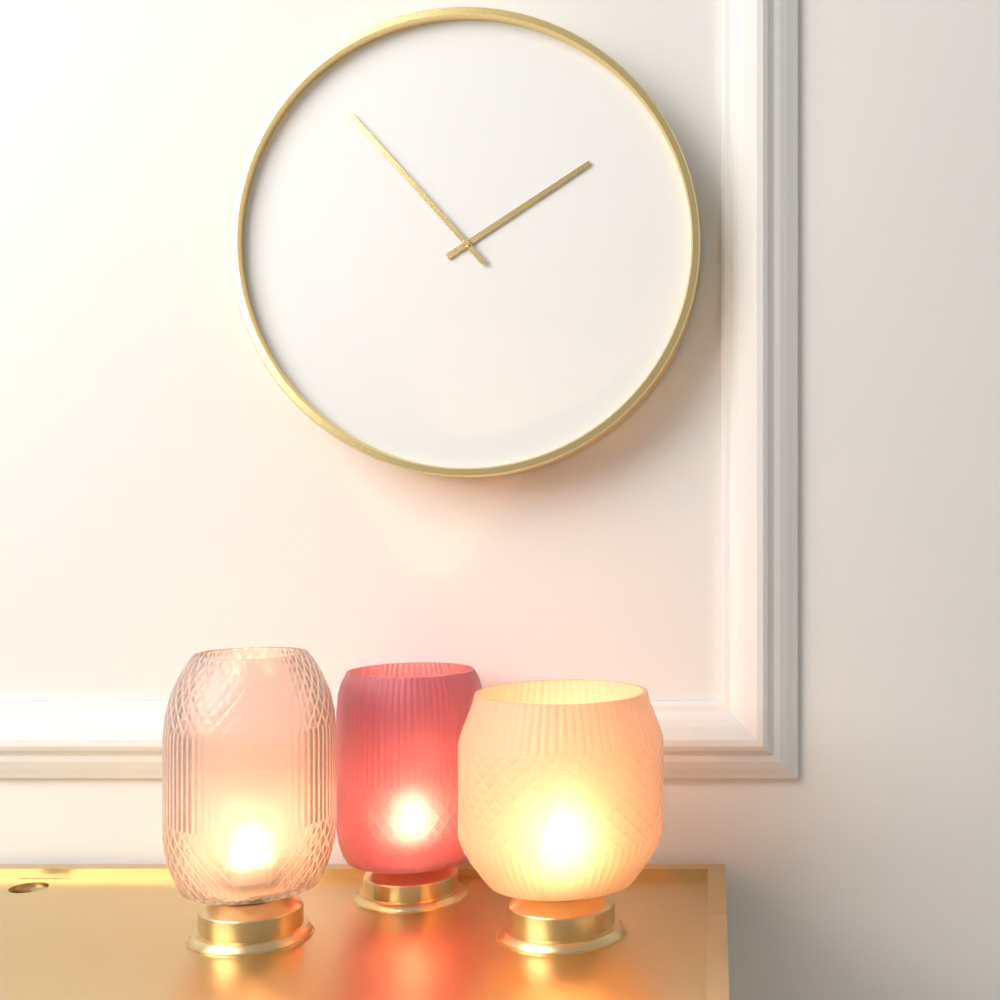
1.53
